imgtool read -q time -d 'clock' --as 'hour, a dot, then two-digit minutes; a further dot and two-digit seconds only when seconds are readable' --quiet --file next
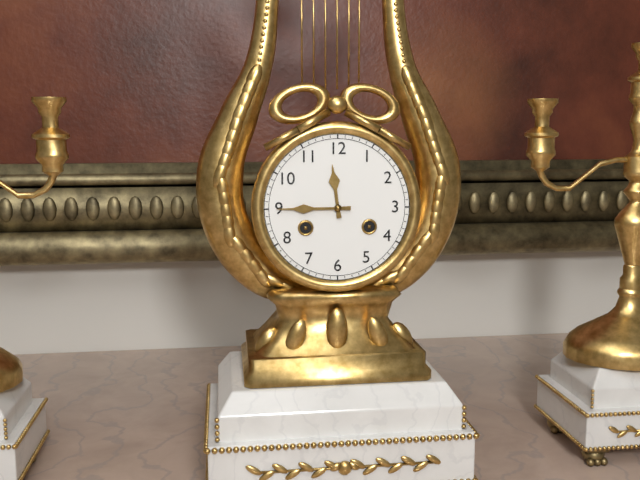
11.45
